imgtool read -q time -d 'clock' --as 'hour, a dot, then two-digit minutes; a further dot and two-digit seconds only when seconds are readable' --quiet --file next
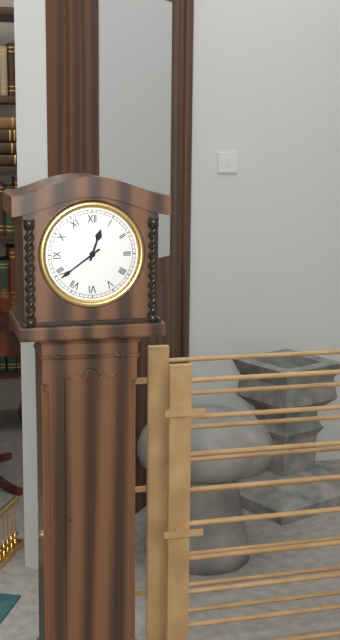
12.39
